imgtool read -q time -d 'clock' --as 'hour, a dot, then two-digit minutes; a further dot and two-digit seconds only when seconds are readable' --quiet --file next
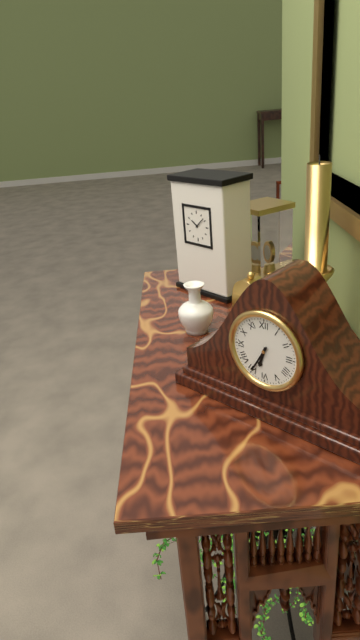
6.35
